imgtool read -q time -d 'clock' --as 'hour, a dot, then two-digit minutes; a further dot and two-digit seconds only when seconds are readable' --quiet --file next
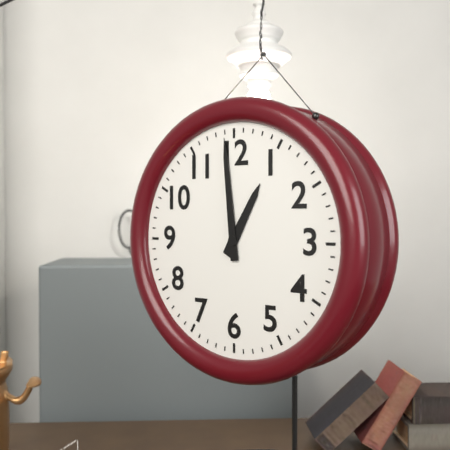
12.59
